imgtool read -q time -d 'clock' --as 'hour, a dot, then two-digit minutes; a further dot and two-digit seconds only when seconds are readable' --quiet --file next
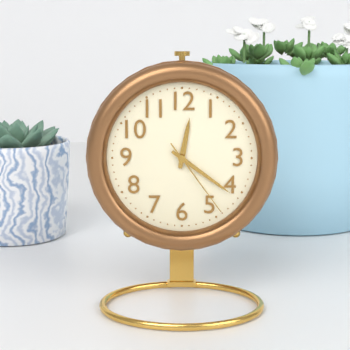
12.21.24
